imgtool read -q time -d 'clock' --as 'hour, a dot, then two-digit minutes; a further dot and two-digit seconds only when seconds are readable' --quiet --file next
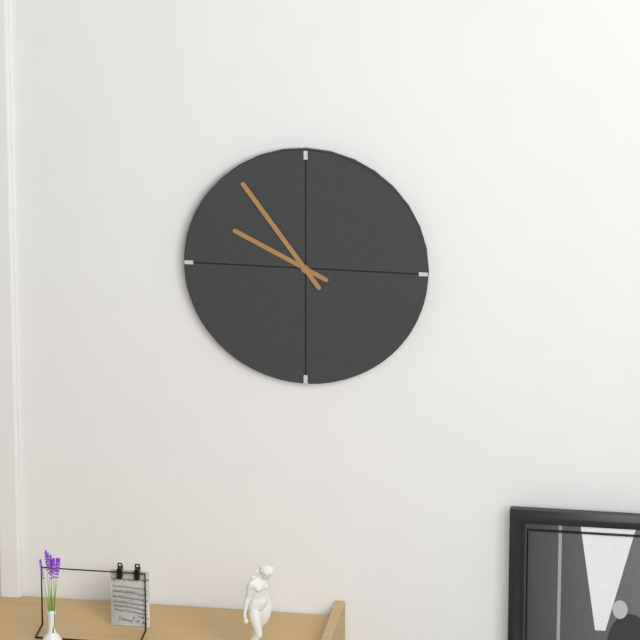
9.54
